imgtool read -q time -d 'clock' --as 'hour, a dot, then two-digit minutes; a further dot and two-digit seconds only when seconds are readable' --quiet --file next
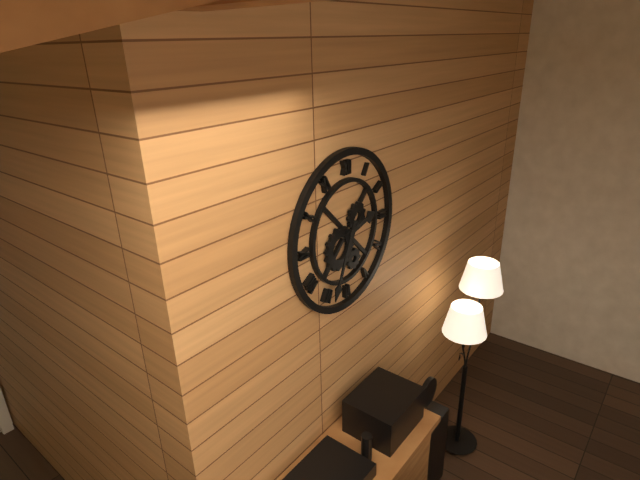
2.34
